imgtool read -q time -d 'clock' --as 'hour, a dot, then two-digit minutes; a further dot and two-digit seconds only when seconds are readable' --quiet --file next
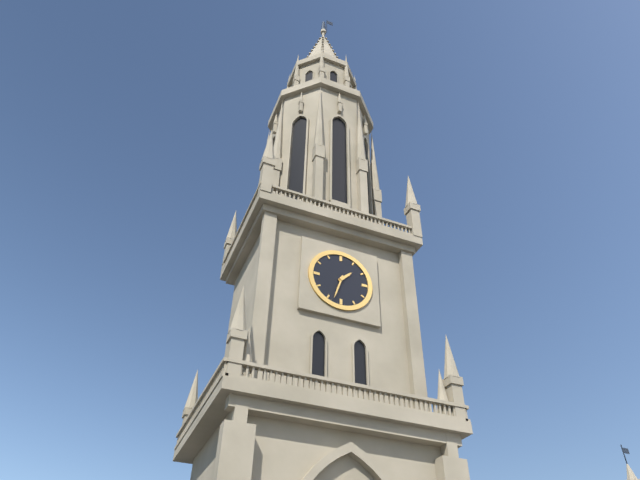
1.33
